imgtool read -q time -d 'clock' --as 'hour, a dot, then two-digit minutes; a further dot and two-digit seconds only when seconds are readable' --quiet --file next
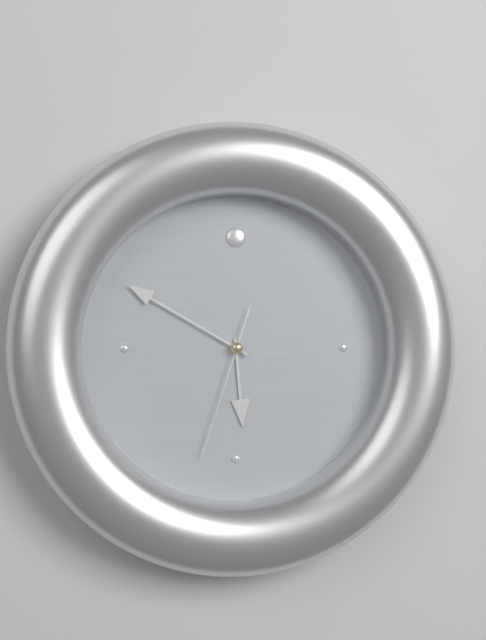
5.50.33
